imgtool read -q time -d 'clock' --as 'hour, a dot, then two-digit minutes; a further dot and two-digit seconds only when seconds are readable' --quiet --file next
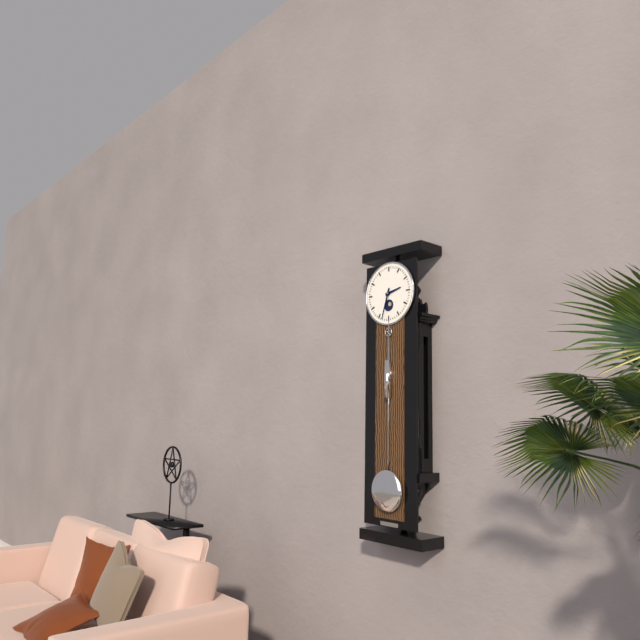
2.33
